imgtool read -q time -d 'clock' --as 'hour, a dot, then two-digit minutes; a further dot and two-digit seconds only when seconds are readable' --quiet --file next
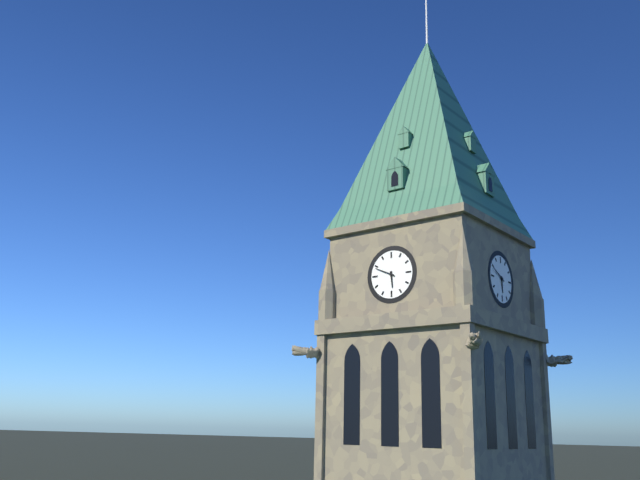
5.49
